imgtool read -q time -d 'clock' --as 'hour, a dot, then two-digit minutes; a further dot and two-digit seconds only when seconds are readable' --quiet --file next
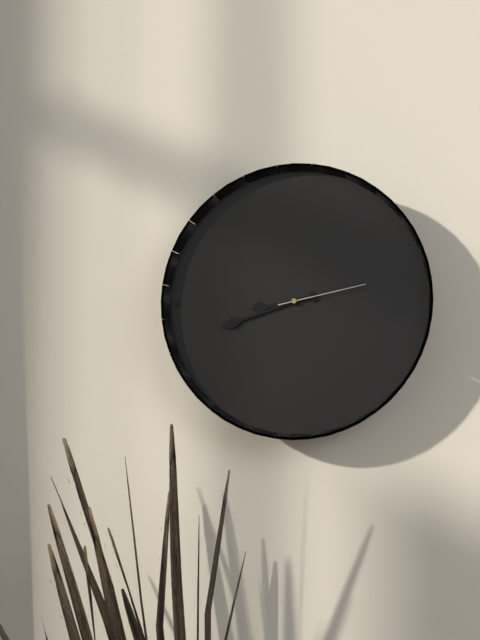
8.42.13
